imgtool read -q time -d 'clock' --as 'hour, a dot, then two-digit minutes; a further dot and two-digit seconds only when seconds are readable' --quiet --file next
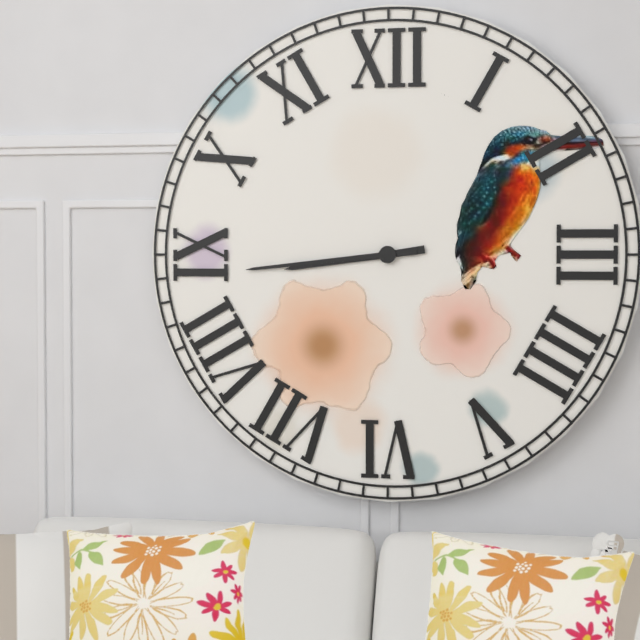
8.44
